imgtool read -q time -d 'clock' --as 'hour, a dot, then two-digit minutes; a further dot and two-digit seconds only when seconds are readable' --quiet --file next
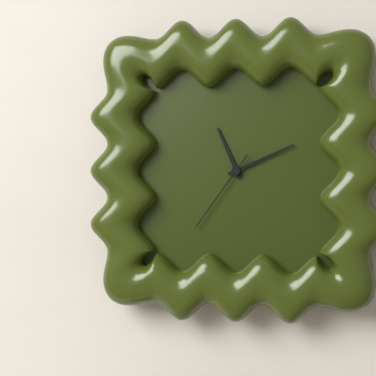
11.11.36
